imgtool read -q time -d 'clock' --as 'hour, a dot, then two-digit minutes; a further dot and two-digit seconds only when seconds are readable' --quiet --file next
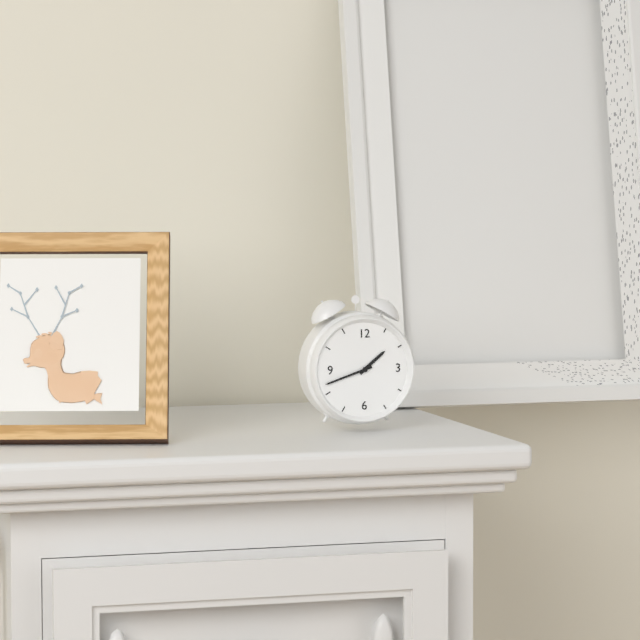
1.42
